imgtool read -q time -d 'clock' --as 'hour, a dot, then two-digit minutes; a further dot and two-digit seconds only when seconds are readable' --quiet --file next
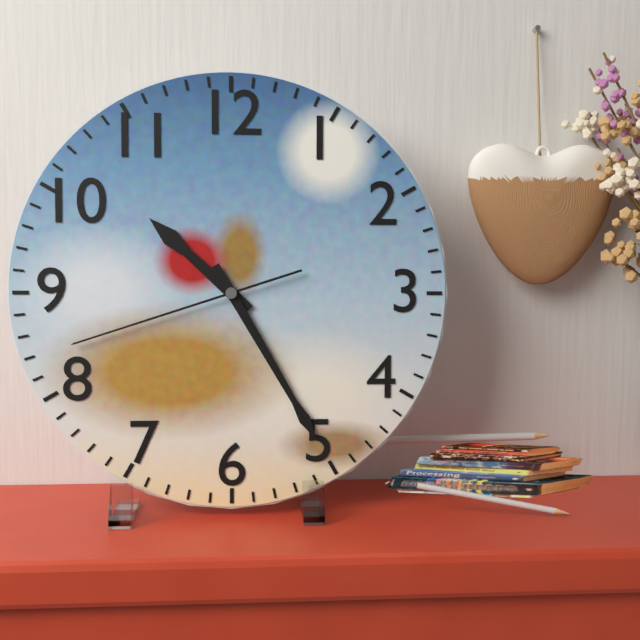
10.25.42
